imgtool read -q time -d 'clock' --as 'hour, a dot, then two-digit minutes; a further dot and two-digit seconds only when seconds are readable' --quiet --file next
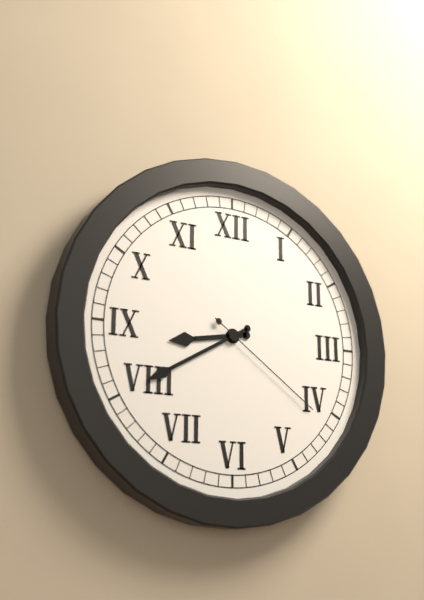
8.40.21
